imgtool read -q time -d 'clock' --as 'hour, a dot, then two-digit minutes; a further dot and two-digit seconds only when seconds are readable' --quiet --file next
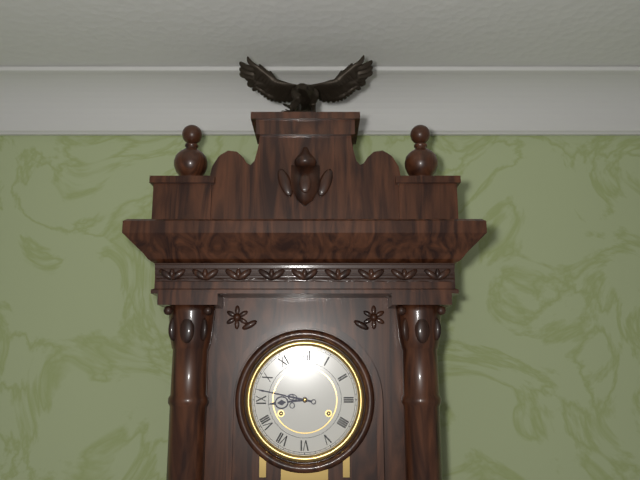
8.47
